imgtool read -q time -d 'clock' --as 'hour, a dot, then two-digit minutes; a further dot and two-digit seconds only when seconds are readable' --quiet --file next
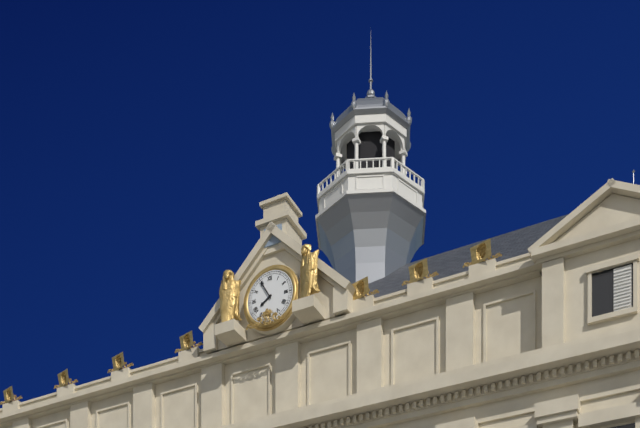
7.55
